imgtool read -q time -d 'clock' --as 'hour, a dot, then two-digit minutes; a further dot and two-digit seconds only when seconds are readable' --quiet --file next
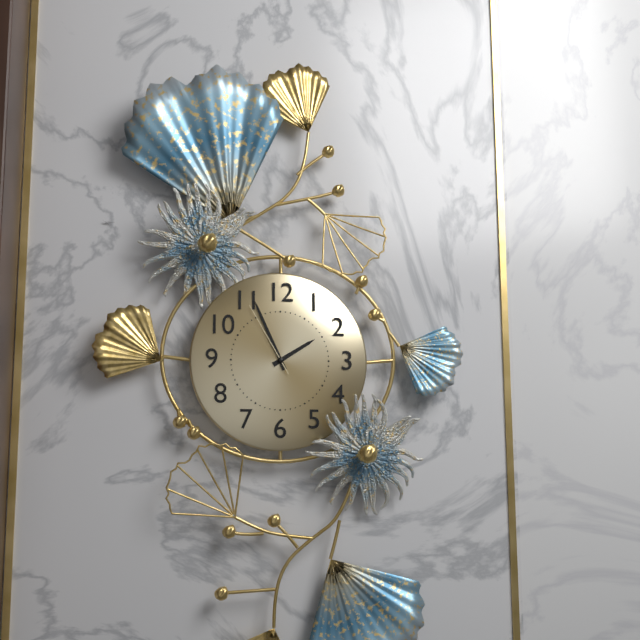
1.56.55
